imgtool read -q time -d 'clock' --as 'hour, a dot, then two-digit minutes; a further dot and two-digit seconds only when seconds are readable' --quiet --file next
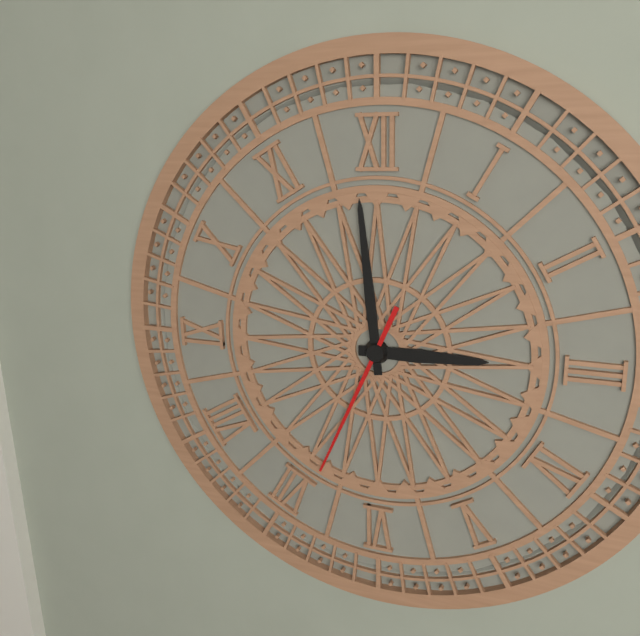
2.59.34
